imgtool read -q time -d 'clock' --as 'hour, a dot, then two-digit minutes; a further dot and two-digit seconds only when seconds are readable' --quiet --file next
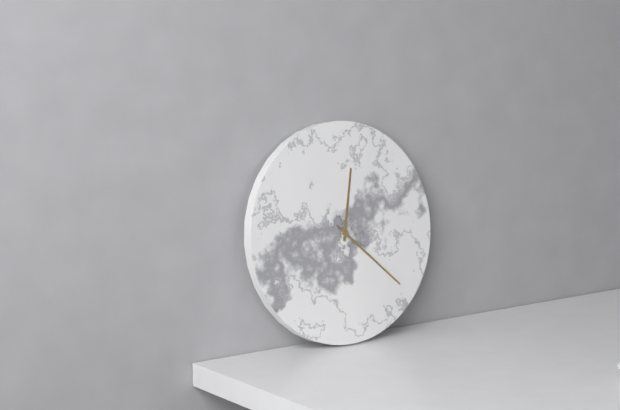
12.22
